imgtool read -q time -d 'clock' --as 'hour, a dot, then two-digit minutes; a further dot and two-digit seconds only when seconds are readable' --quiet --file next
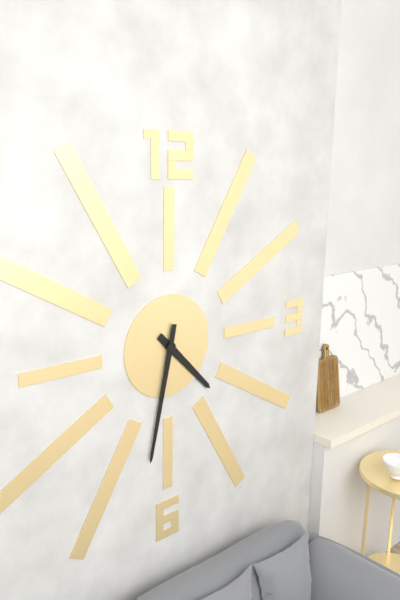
4.32
